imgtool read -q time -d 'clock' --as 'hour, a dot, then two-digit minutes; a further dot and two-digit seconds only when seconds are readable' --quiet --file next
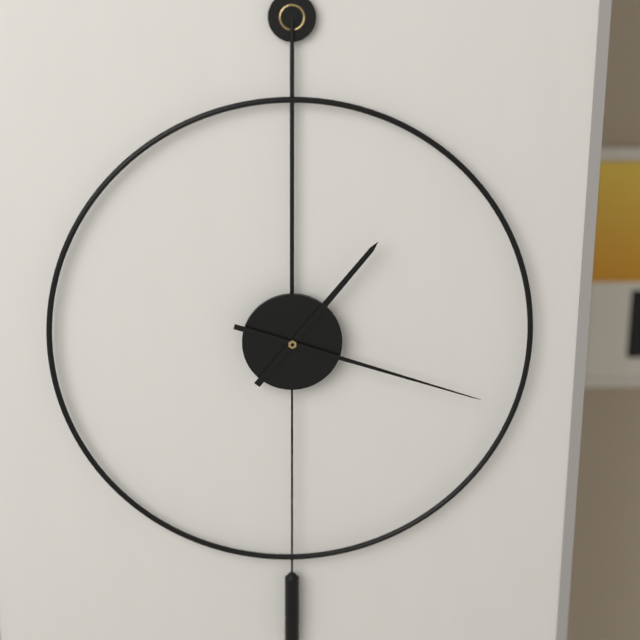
1.18
